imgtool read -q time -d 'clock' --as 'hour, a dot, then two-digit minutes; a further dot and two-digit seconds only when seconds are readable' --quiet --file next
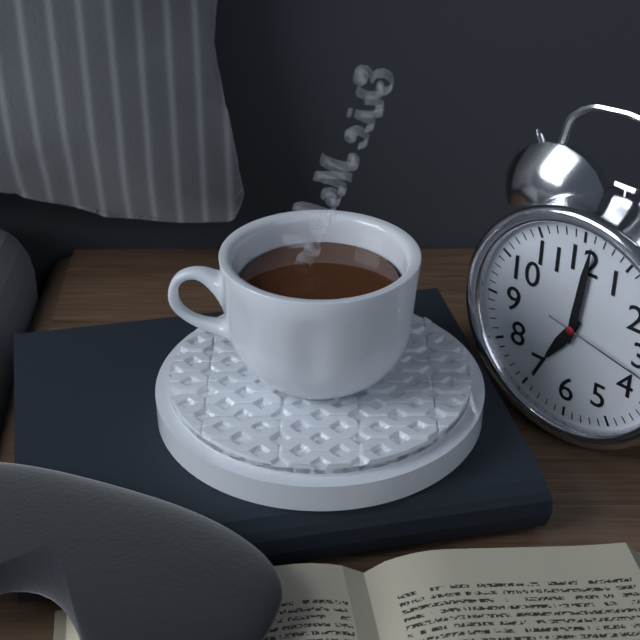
7.01
